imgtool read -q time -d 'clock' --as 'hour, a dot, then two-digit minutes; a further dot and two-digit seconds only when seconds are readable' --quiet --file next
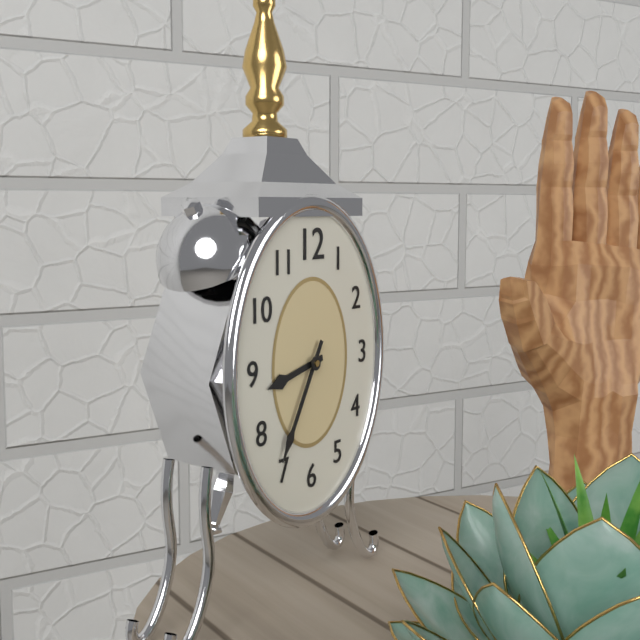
8.35
